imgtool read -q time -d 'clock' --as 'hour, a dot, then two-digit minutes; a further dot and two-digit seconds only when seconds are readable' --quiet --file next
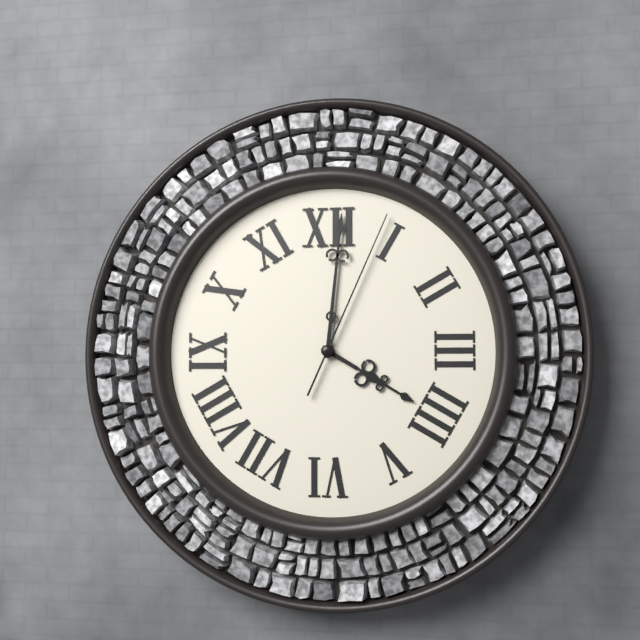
4.01.04
